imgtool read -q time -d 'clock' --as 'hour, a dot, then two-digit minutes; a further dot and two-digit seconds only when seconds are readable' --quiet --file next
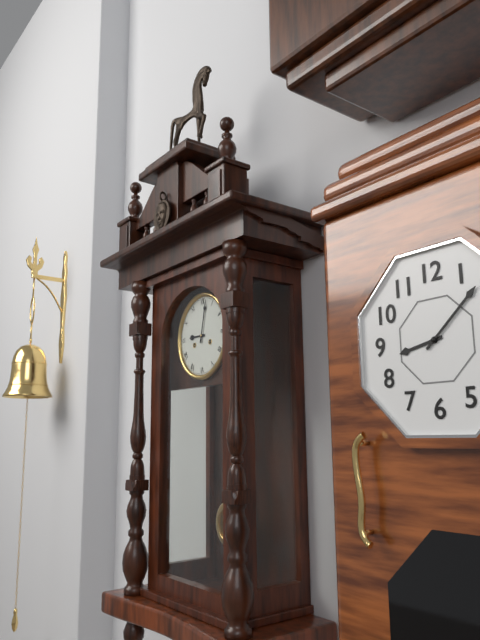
9.02
